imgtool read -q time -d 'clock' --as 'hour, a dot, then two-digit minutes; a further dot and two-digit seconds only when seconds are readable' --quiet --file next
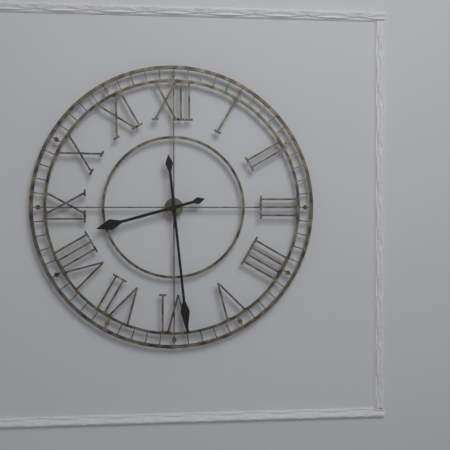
8.29
